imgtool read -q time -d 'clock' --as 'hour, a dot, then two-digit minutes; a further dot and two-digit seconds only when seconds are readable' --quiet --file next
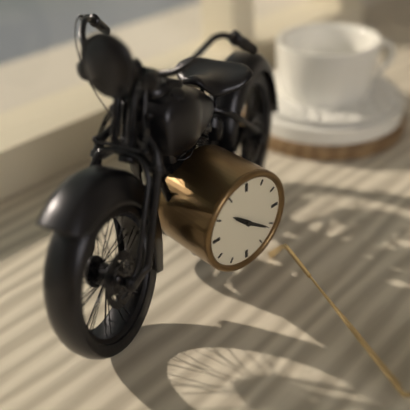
10.21
